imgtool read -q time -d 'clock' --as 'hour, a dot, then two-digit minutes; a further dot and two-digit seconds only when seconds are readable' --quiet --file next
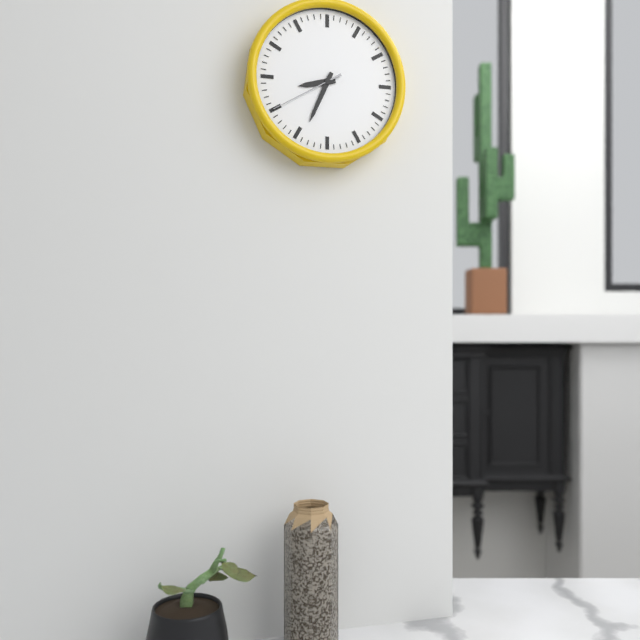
8.34.40
